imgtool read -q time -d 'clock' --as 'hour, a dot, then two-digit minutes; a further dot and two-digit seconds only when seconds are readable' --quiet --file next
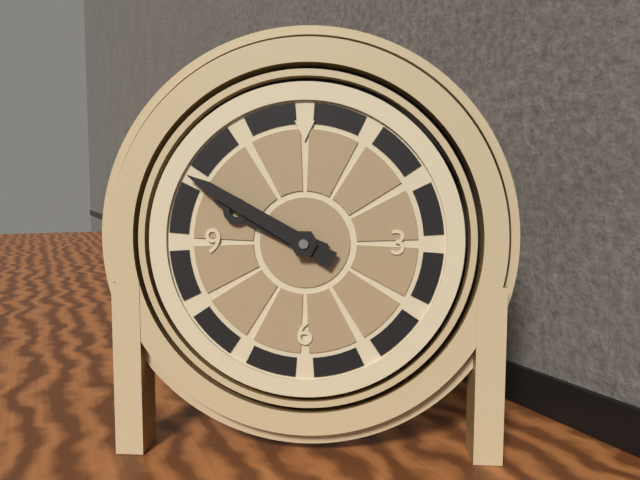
9.50
